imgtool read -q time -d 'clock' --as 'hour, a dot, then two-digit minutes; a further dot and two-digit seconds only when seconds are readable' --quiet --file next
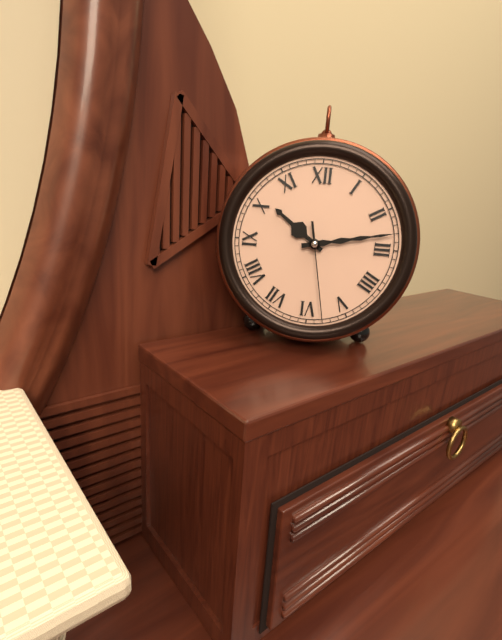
10.13.28
